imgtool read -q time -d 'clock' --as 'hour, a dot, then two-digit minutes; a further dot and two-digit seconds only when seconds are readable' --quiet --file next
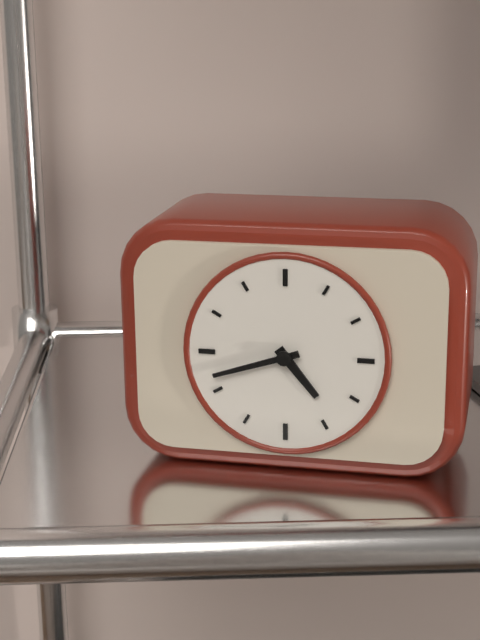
4.42
